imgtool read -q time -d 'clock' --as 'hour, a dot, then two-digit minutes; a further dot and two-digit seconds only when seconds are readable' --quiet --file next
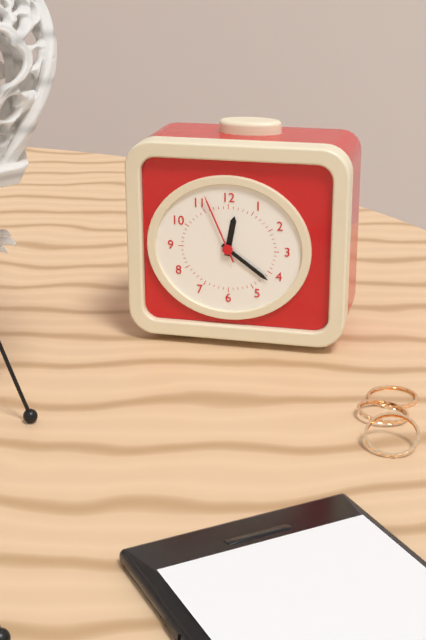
12.21.56
